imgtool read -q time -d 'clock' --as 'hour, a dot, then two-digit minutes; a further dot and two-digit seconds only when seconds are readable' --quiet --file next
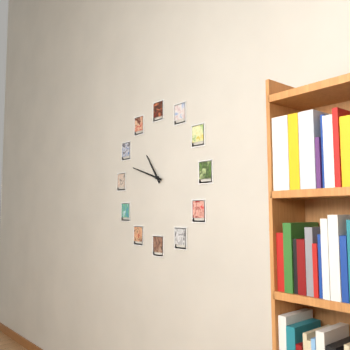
10.48
